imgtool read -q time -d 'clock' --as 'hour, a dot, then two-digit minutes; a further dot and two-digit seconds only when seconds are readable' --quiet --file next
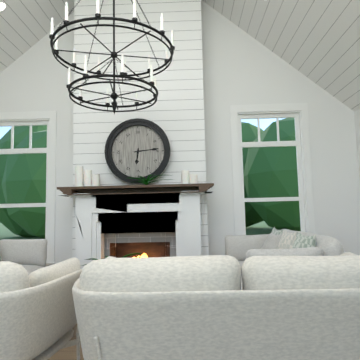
6.14
